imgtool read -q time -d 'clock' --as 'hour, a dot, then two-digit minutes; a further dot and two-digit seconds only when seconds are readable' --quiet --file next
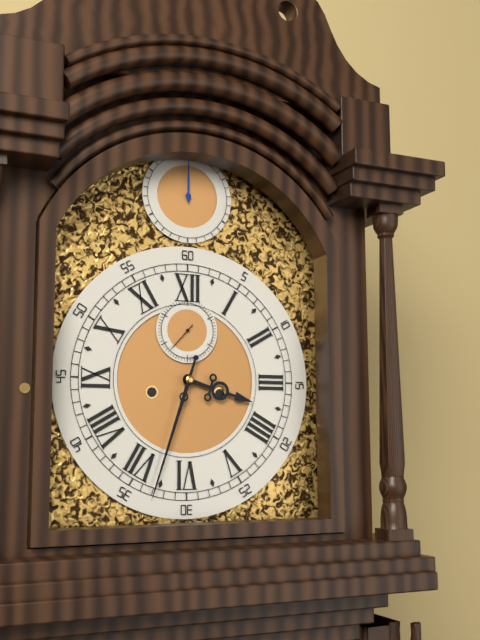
3.33
